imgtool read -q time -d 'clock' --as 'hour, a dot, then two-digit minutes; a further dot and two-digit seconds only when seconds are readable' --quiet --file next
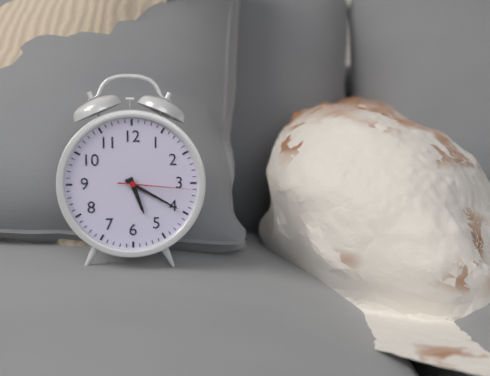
5.20.16
